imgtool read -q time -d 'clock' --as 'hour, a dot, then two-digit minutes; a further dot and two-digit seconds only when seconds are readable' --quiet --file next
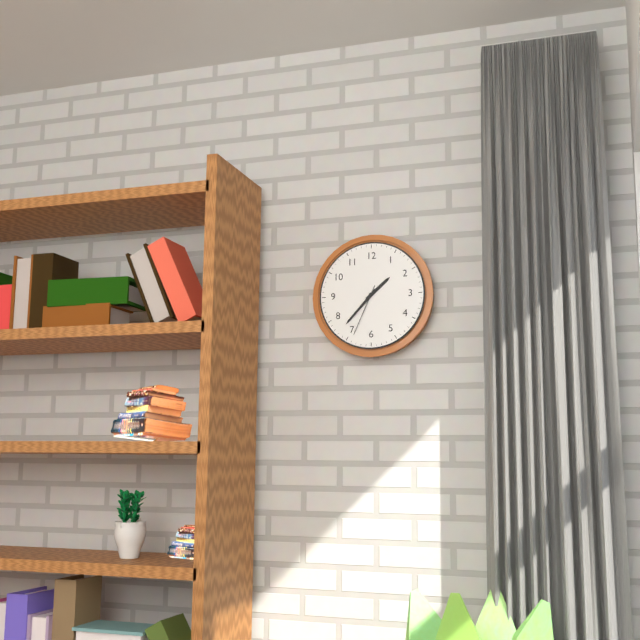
1.37.34
